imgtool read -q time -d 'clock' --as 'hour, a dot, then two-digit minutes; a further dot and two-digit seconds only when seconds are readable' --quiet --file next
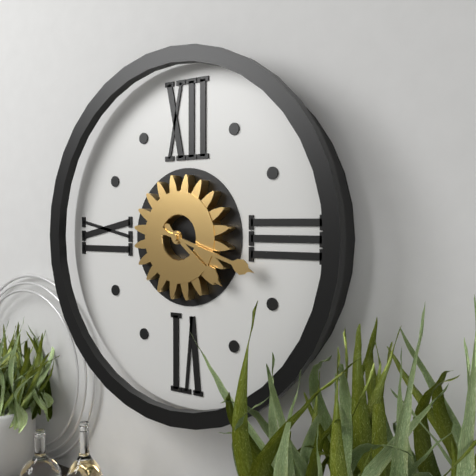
4.18
